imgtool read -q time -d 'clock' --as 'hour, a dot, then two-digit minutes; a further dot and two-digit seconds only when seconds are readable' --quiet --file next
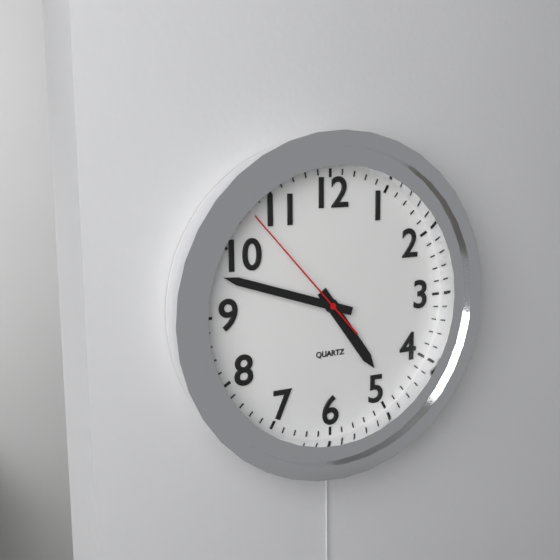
4.48.53
